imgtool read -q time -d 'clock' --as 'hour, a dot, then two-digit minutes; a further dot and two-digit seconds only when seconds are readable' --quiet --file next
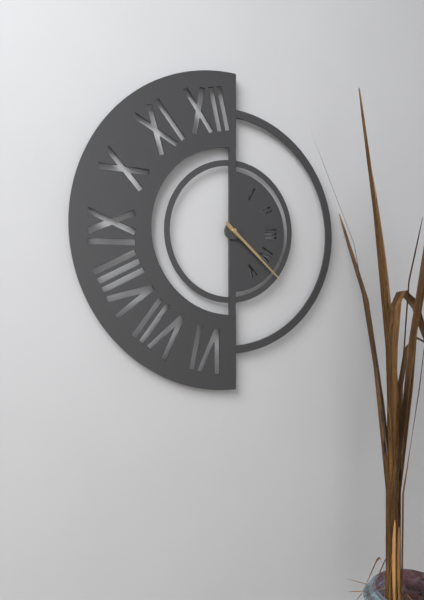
4.22
